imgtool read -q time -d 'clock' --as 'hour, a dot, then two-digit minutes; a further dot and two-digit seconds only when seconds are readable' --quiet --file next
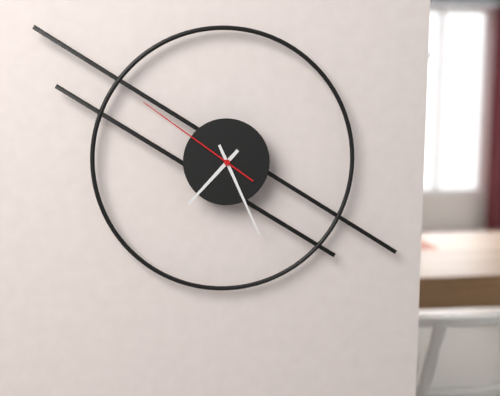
7.26.51
